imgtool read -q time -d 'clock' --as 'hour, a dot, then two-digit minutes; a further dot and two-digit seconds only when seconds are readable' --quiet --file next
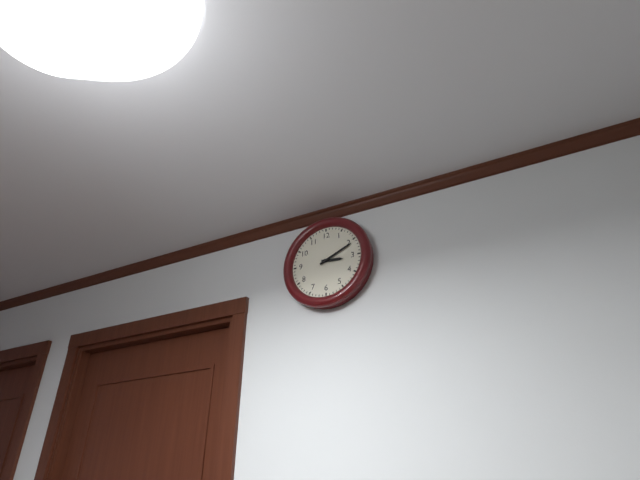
3.11
